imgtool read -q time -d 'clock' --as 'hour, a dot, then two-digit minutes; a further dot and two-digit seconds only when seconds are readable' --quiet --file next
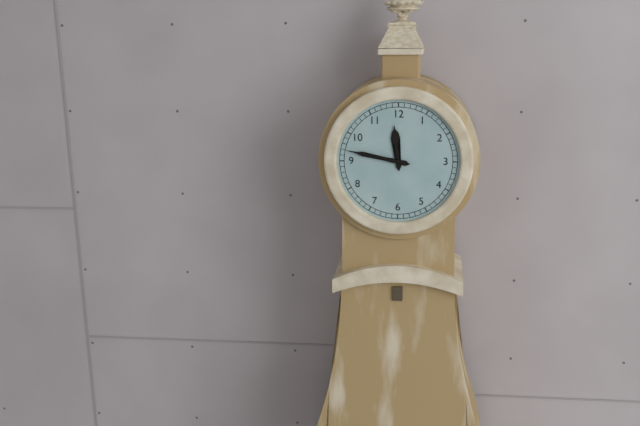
11.47
